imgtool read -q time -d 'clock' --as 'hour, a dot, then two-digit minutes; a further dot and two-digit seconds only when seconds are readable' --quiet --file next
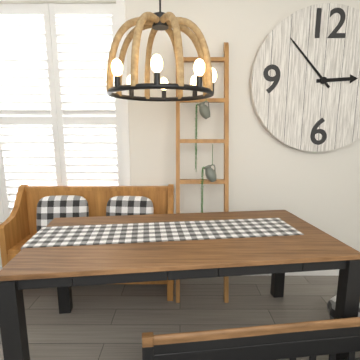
2.53
